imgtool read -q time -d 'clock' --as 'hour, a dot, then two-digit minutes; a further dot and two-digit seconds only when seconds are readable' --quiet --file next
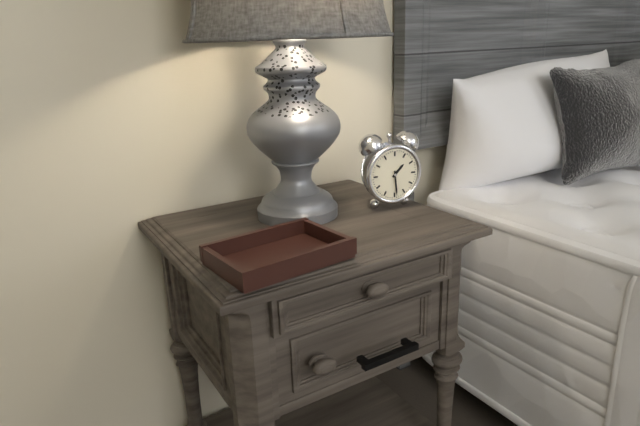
1.29
